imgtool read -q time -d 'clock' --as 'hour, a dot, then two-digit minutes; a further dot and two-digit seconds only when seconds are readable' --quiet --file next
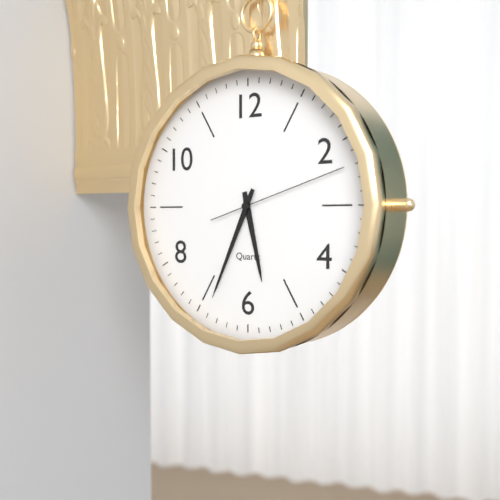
5.34.12
